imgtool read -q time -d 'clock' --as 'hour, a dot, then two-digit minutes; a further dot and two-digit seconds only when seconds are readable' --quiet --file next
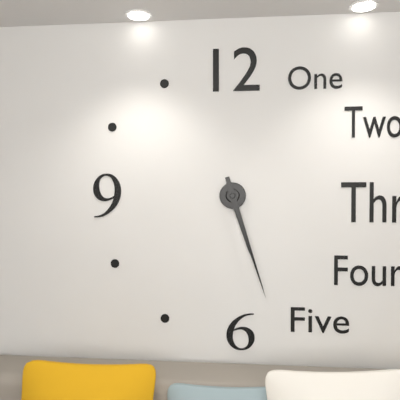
5.27
